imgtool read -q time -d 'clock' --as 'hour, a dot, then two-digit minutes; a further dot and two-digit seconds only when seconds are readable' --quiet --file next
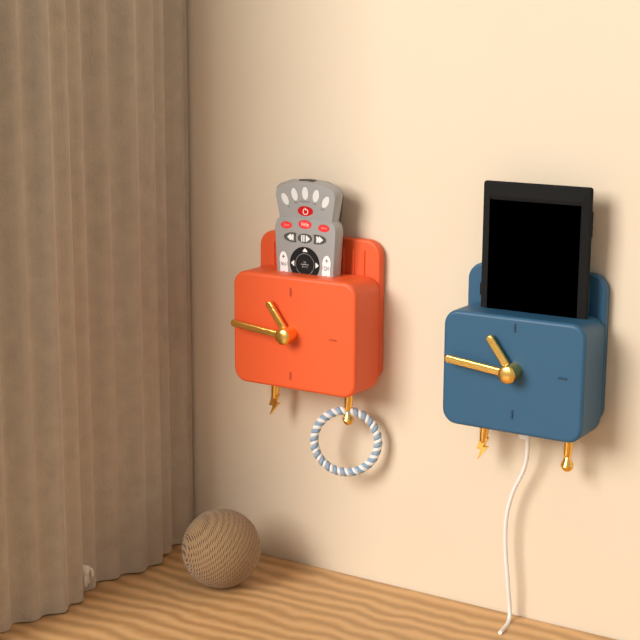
10.46
